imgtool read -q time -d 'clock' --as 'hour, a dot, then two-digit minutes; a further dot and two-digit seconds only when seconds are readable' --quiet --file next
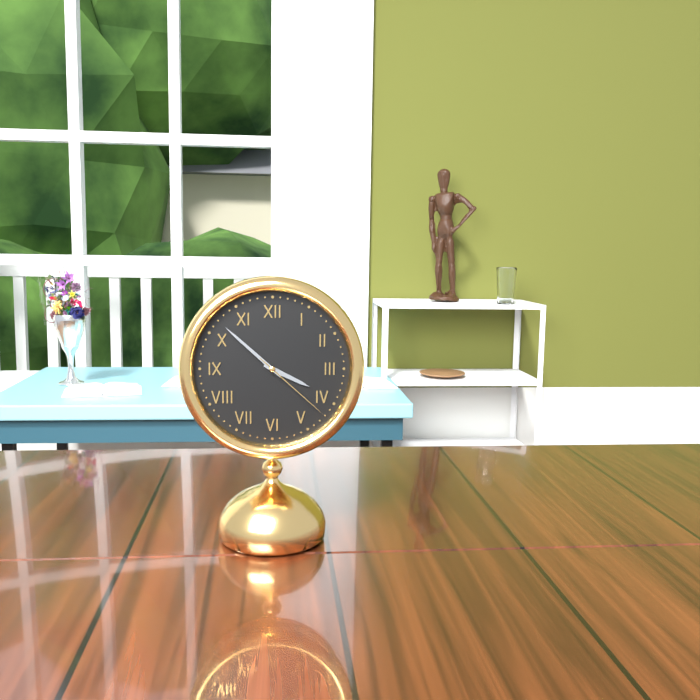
3.52.22
